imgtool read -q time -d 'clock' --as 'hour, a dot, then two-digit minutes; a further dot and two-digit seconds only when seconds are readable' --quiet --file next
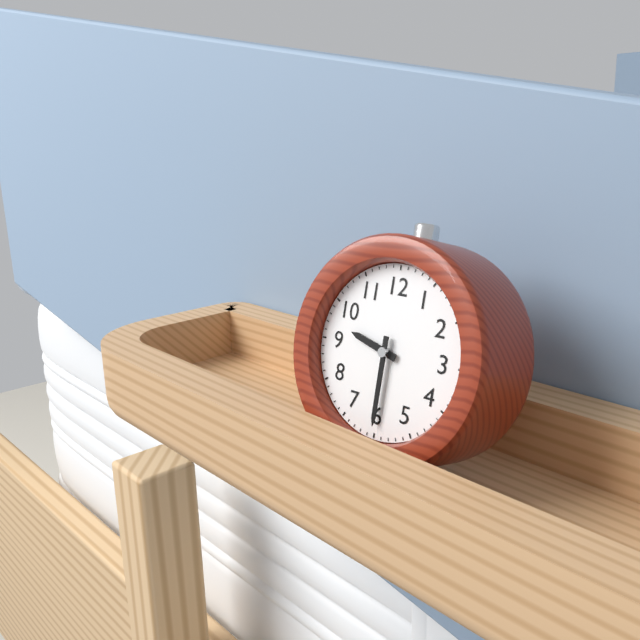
9.30
